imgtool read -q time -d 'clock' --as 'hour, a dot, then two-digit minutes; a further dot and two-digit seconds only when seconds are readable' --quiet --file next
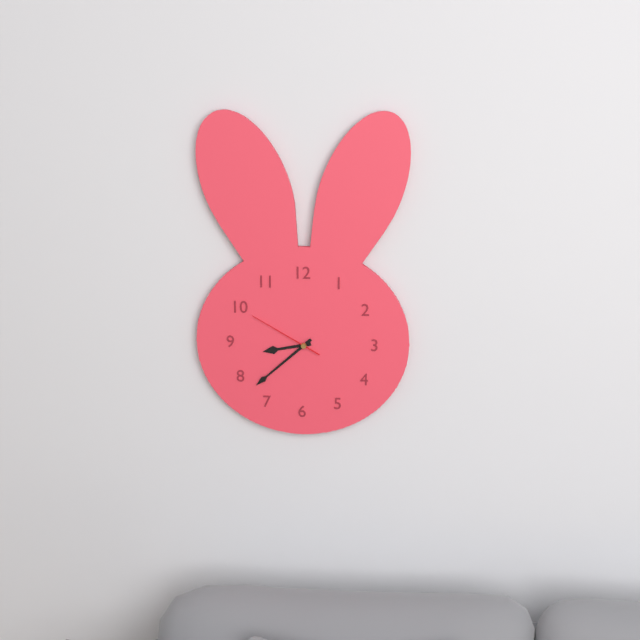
8.38.50
